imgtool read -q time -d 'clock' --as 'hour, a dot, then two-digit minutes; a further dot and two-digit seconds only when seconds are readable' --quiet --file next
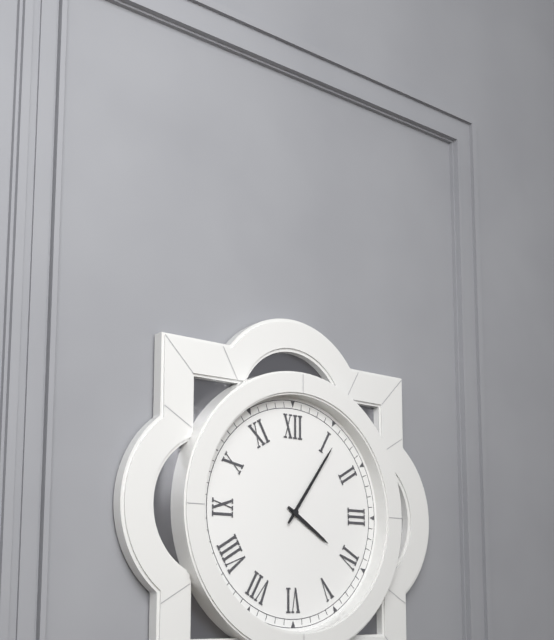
4.06
